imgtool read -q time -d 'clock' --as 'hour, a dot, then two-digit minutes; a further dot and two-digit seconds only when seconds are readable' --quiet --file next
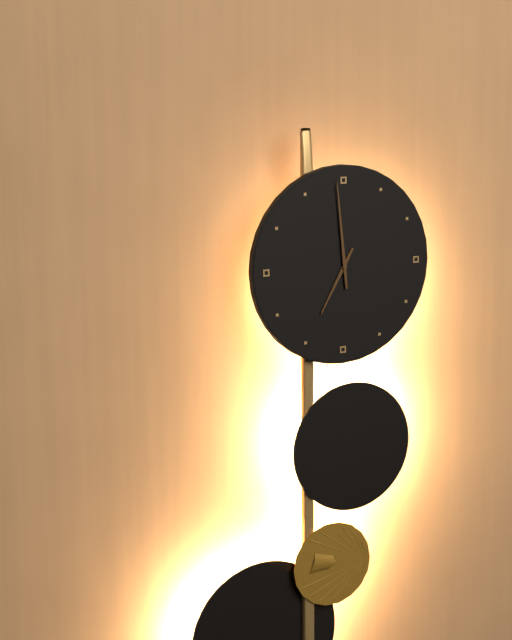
6.59
